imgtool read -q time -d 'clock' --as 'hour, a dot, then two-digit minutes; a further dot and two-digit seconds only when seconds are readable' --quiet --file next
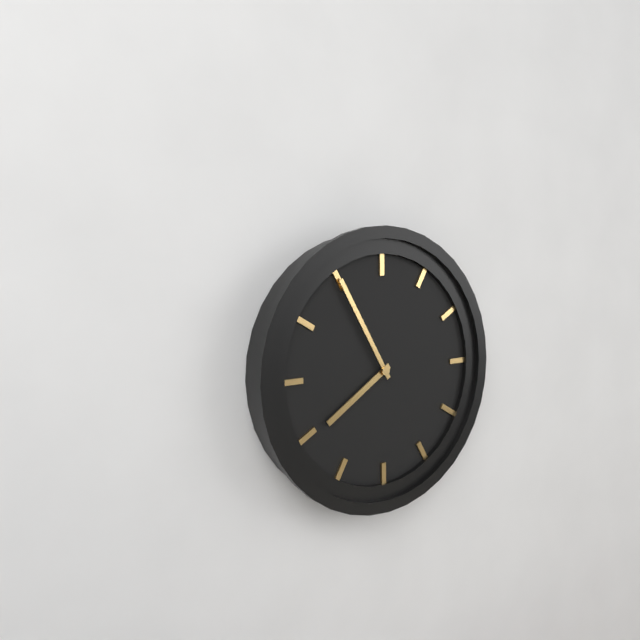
7.55
